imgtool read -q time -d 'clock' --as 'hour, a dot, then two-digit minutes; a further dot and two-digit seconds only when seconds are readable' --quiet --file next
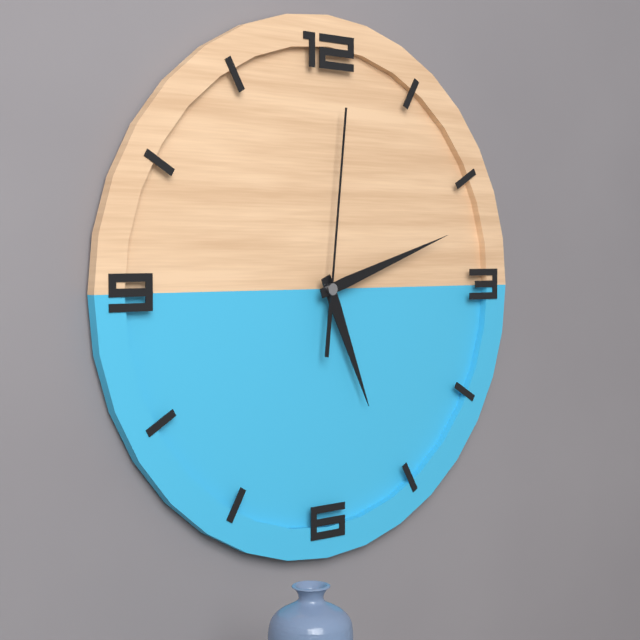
5.12.01
